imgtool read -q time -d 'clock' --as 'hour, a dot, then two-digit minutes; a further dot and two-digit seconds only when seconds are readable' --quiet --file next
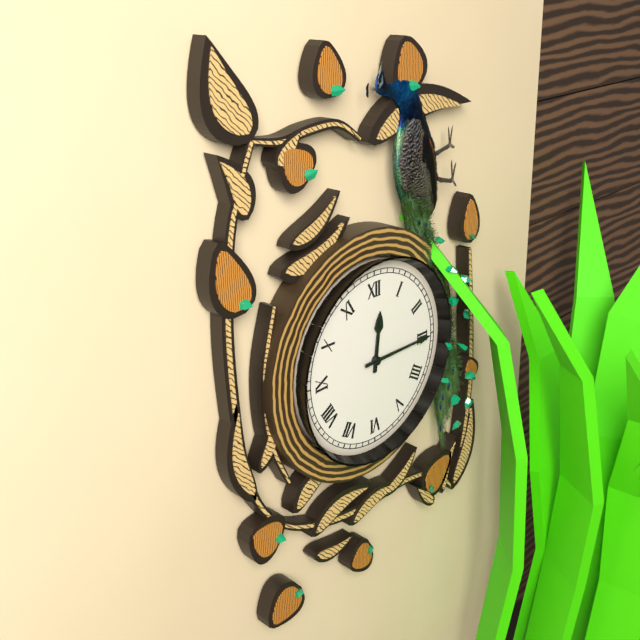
12.15
